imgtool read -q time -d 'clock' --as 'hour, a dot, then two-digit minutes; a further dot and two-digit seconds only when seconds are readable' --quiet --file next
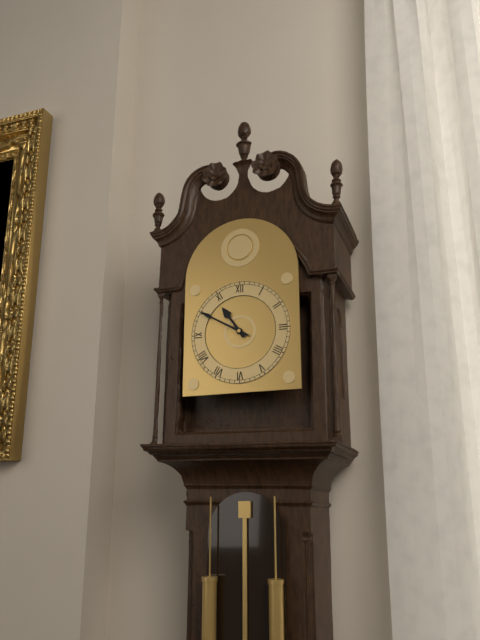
10.50
